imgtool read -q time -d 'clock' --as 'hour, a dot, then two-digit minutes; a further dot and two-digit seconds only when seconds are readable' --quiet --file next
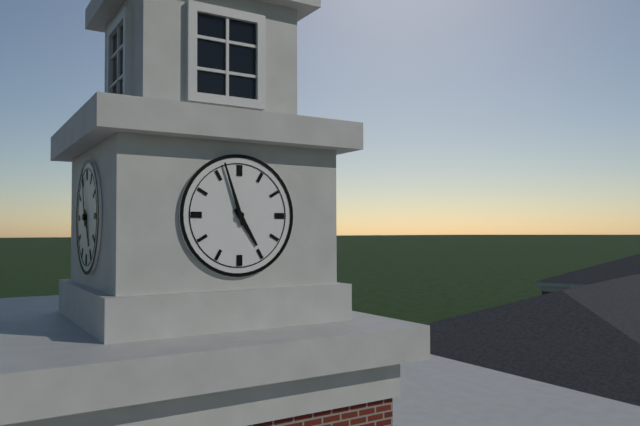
4.57
